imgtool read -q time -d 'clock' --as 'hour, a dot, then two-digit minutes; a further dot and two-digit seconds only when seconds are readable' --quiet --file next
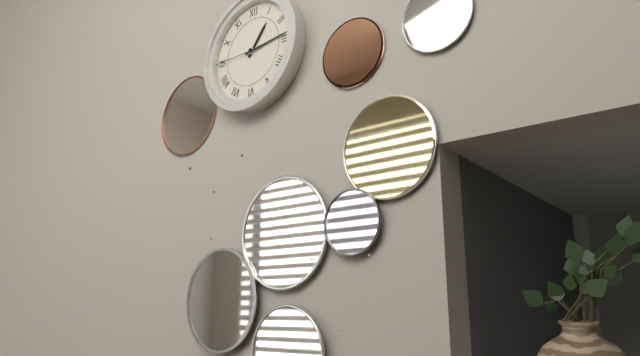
1.14
